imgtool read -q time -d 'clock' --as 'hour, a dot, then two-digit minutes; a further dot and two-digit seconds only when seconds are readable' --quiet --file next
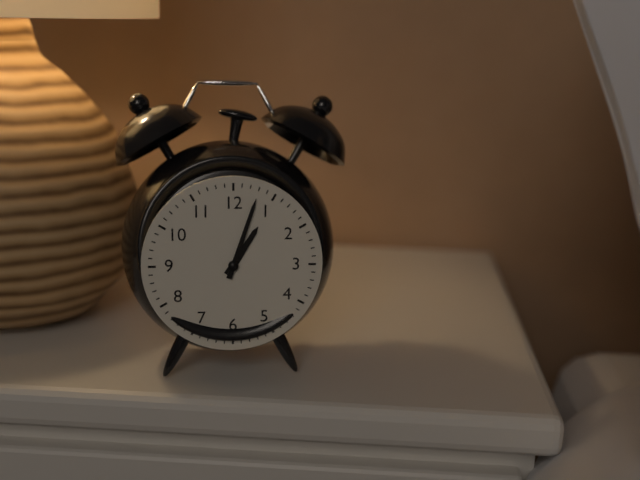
1.03
